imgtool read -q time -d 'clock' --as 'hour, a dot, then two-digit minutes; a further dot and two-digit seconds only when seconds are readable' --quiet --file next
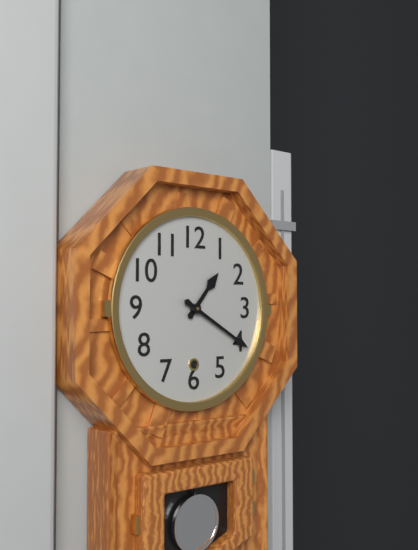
1.20
